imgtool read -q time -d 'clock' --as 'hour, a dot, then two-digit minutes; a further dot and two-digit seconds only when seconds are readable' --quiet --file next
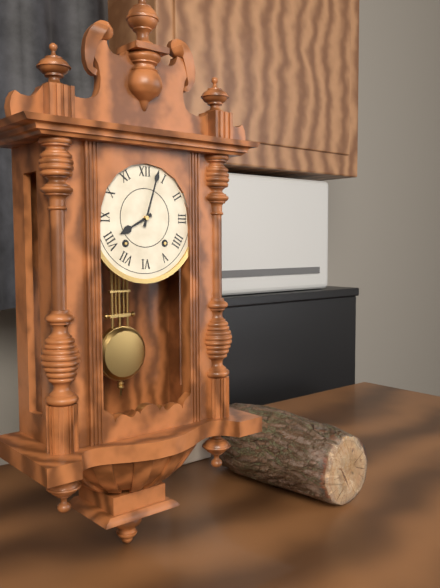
8.03
